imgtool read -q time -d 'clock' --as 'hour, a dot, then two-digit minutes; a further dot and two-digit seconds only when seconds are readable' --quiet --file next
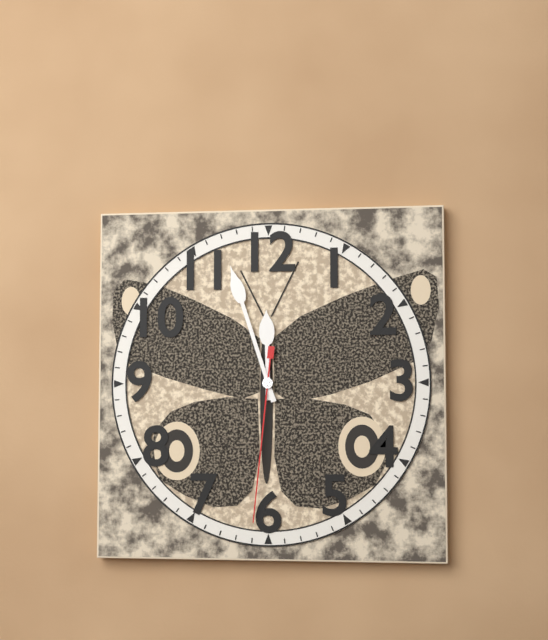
11.57.31
